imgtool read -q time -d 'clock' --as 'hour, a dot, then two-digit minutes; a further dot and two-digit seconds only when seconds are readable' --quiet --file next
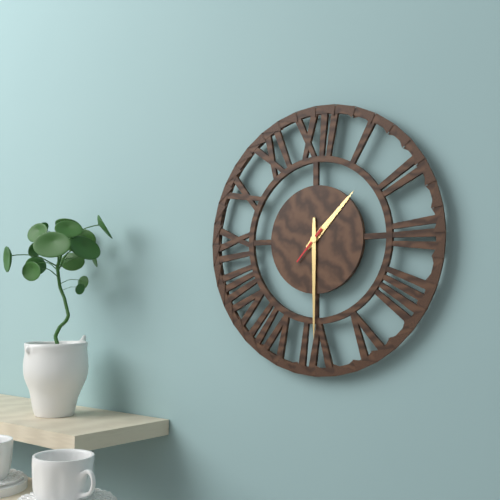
1.30
